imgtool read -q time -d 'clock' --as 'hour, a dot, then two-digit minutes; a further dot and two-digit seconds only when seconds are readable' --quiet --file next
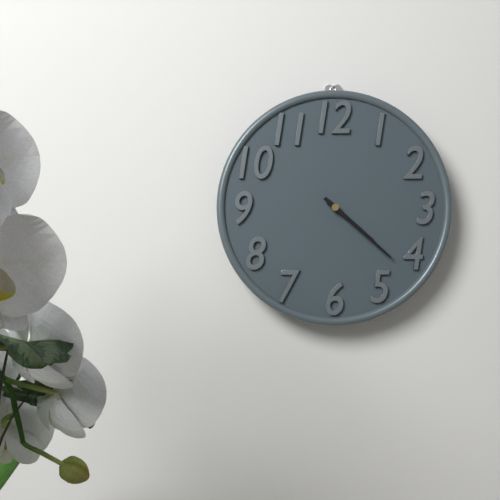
4.22
